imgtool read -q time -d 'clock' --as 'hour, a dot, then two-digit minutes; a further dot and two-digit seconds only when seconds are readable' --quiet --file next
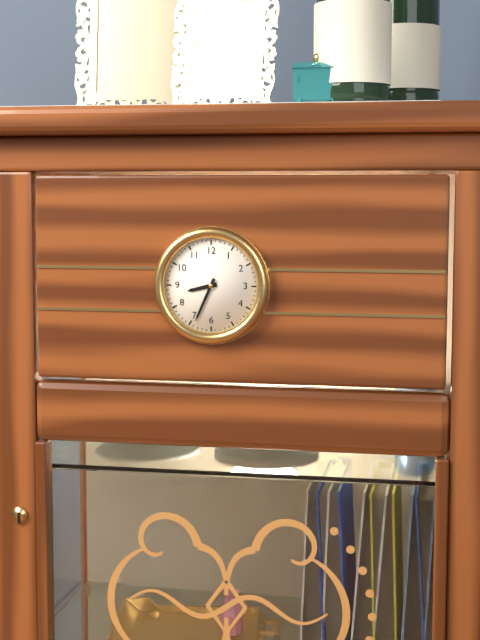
8.34
